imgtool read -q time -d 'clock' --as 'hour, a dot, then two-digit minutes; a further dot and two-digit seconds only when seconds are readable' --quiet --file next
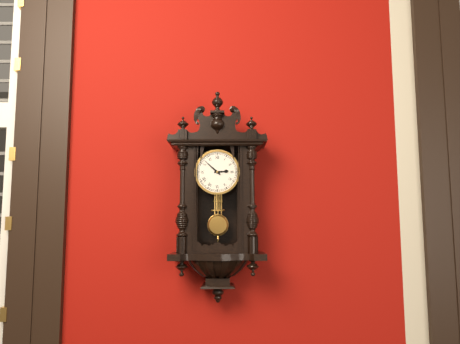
2.52
